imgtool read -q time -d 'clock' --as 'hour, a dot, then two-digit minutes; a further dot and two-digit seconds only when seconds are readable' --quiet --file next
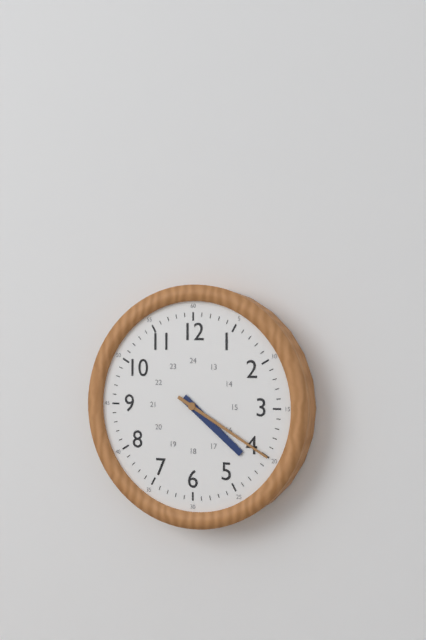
4.20
